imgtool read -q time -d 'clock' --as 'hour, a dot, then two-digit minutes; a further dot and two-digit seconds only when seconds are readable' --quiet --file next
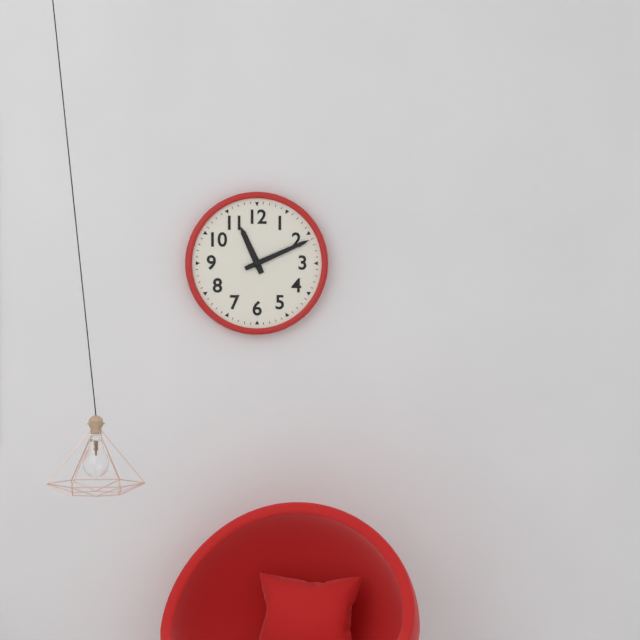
11.11
